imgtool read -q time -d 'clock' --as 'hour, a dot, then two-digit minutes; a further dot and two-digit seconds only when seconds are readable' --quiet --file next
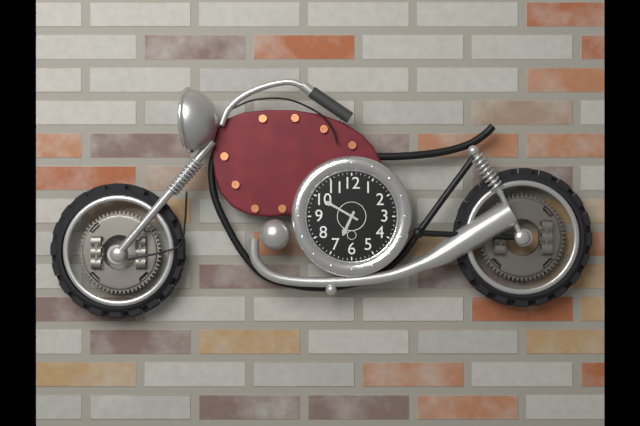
6.50
